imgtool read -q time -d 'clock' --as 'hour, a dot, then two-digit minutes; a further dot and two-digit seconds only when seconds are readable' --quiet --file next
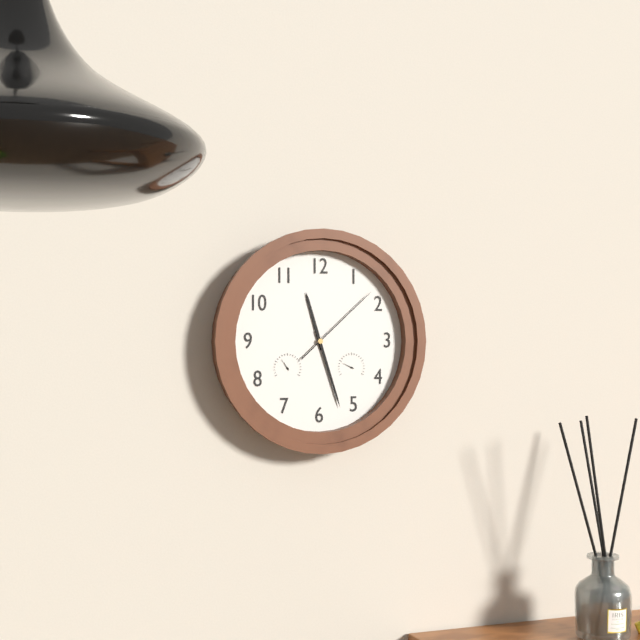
11.27.08
